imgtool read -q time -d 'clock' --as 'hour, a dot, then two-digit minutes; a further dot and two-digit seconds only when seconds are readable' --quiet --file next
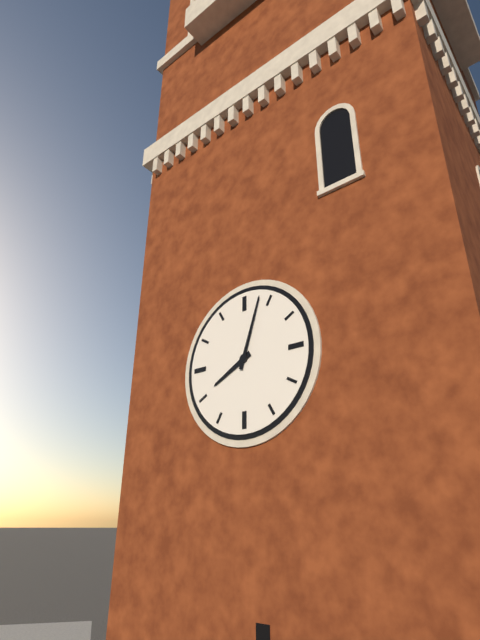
8.03
